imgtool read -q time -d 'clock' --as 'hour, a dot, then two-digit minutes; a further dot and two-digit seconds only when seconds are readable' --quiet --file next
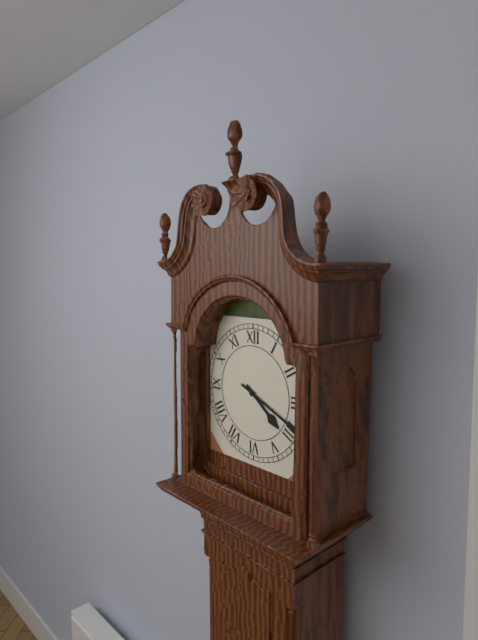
4.19
